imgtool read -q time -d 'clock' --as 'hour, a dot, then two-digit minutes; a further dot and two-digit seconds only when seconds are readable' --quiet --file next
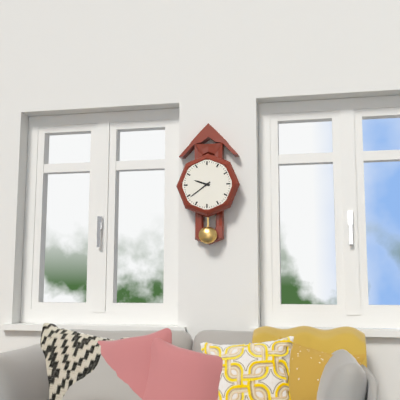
9.39
